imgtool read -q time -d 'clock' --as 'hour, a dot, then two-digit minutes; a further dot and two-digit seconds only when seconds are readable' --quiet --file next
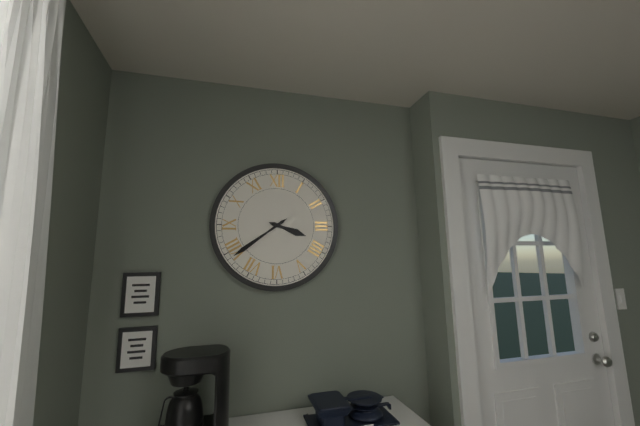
3.39
